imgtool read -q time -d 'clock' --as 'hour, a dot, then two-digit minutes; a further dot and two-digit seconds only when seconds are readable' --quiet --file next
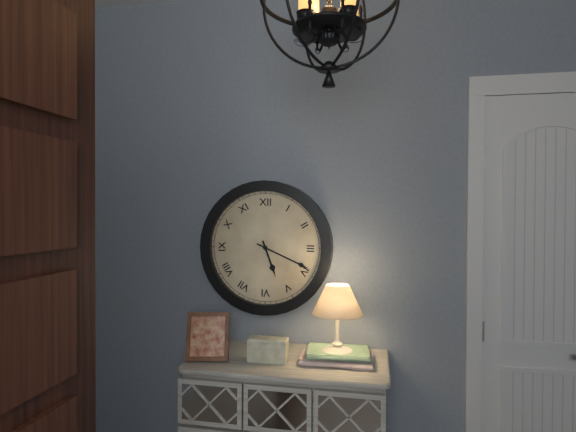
5.19
